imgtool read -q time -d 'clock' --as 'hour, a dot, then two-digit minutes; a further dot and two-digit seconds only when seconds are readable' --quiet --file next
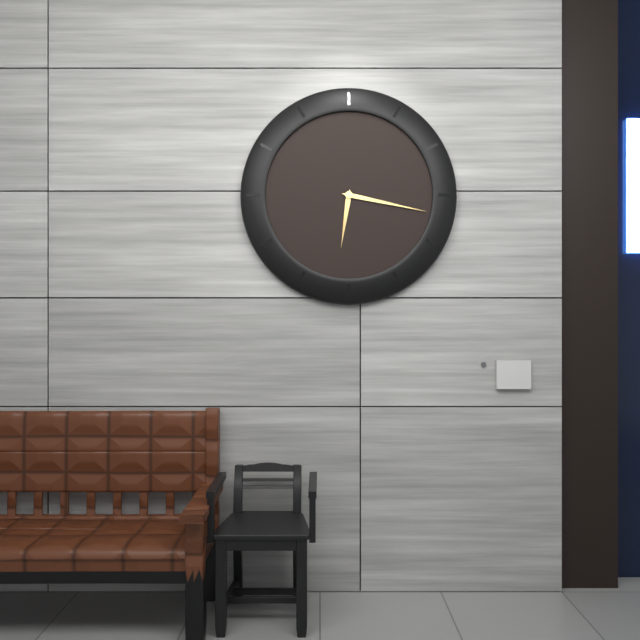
6.17
